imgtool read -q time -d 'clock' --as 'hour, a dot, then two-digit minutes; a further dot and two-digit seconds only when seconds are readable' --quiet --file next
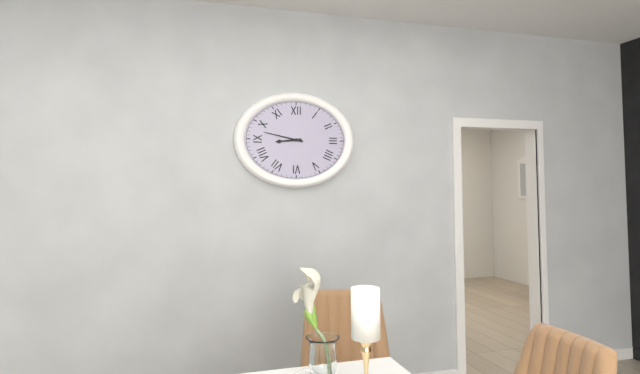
8.47
